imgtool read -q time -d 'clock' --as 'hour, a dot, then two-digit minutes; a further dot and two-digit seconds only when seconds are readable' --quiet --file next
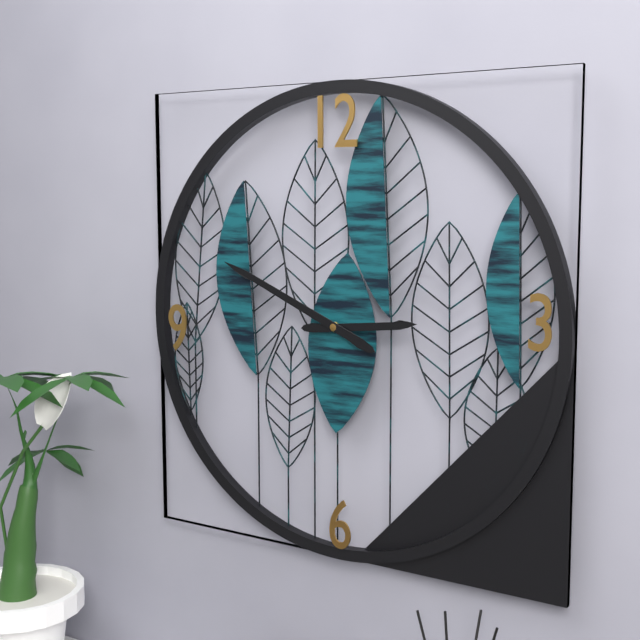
2.49
